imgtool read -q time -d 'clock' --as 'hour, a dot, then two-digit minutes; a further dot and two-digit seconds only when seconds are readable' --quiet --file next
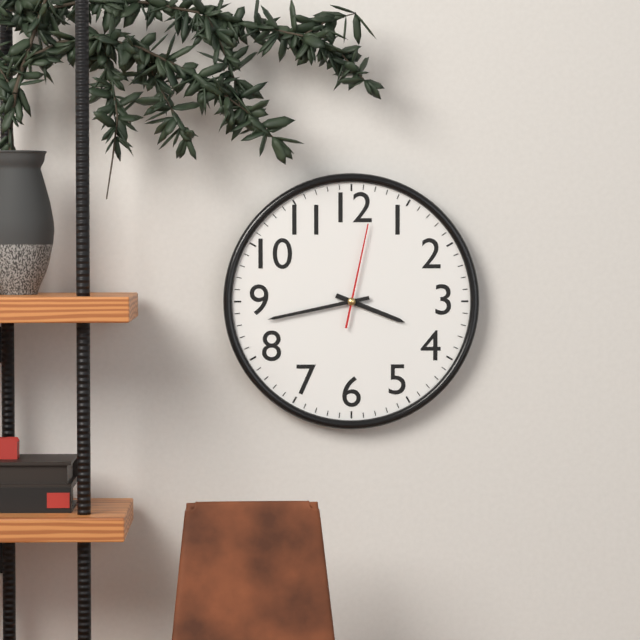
3.43.02
